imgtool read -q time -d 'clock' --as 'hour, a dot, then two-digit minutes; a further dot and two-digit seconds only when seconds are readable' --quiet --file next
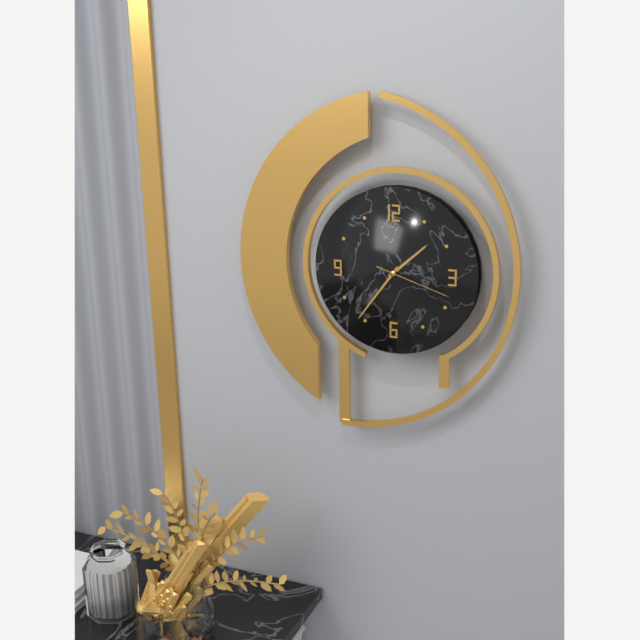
1.36.18
